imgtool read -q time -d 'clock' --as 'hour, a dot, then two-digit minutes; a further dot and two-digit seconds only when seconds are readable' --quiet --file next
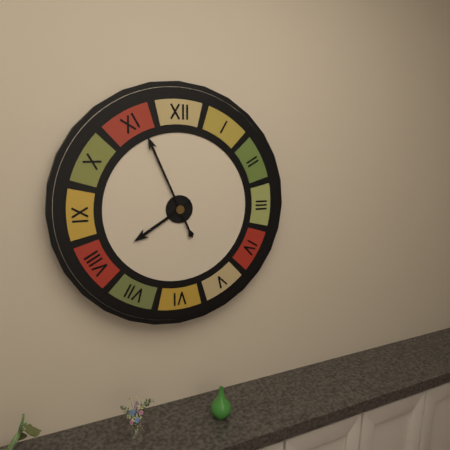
7.56
